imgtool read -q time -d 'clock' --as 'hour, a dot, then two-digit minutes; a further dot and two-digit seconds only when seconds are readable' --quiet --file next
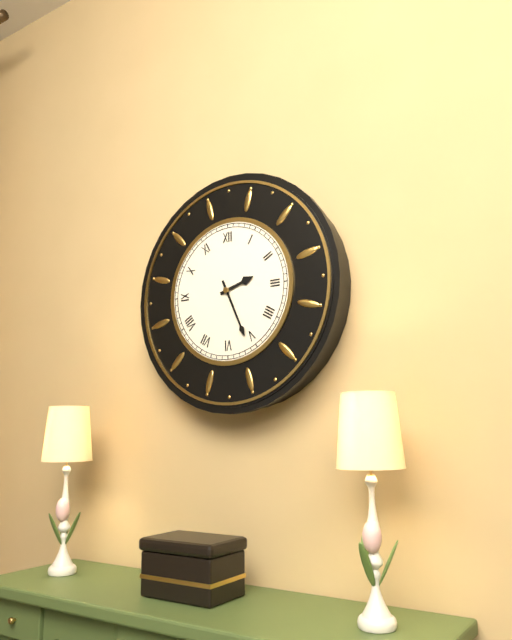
2.26
